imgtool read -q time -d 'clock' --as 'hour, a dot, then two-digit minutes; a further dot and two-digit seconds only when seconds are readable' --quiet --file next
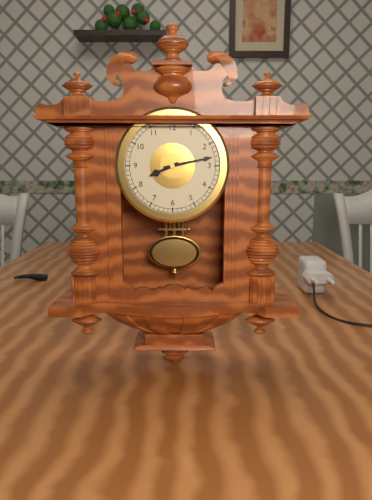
8.13
